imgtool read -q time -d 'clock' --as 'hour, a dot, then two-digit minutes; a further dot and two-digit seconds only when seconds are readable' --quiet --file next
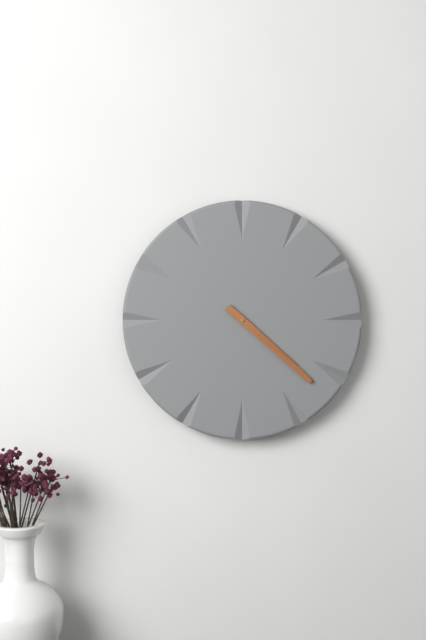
4.22
